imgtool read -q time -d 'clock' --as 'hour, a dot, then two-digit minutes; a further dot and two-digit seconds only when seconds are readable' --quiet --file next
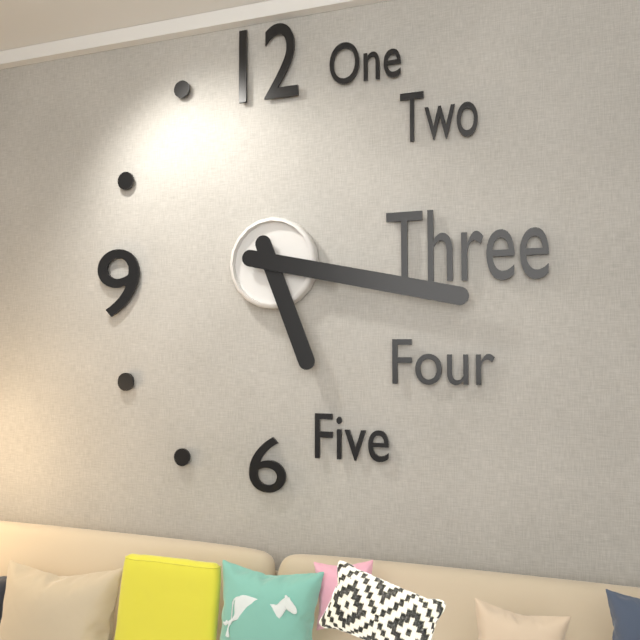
5.17
